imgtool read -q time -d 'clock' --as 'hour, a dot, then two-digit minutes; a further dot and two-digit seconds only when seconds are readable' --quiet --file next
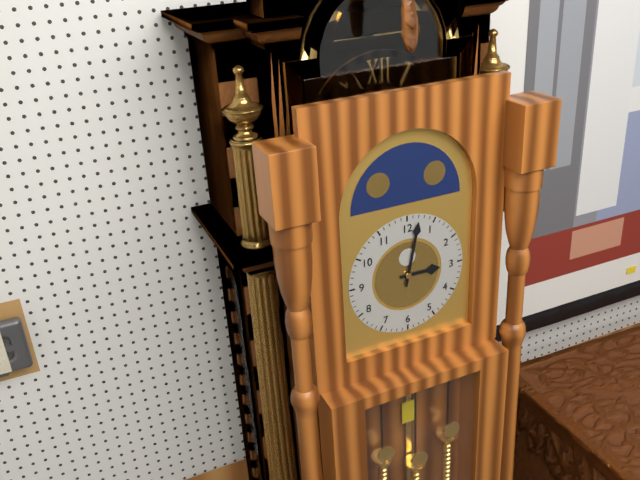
3.02
